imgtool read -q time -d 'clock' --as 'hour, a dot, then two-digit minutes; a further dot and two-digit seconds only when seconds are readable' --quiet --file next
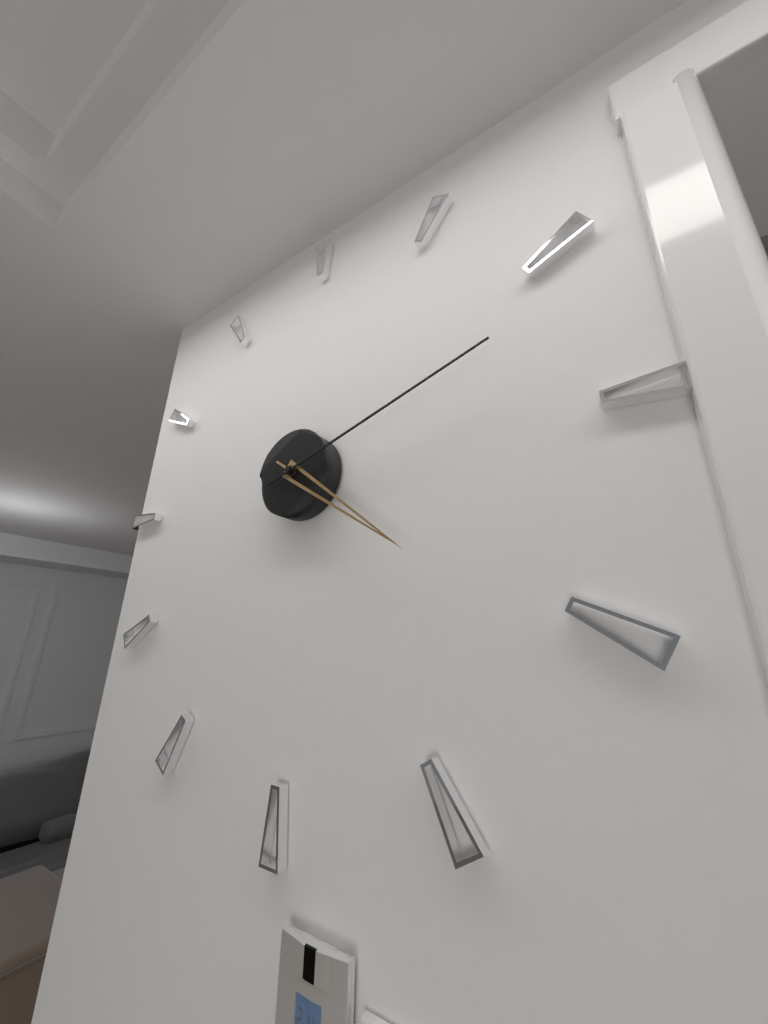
4.12
